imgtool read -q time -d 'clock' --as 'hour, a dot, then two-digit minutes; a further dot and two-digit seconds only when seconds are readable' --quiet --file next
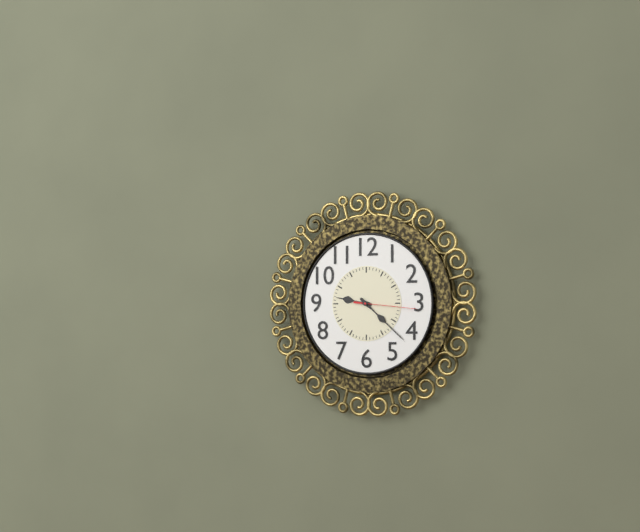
9.22.16
